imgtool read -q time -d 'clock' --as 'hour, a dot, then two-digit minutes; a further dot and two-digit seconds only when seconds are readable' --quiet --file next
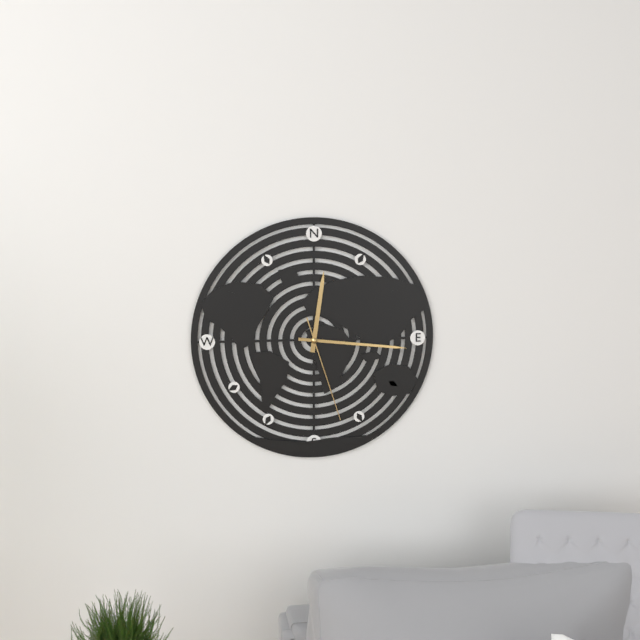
12.16.27
